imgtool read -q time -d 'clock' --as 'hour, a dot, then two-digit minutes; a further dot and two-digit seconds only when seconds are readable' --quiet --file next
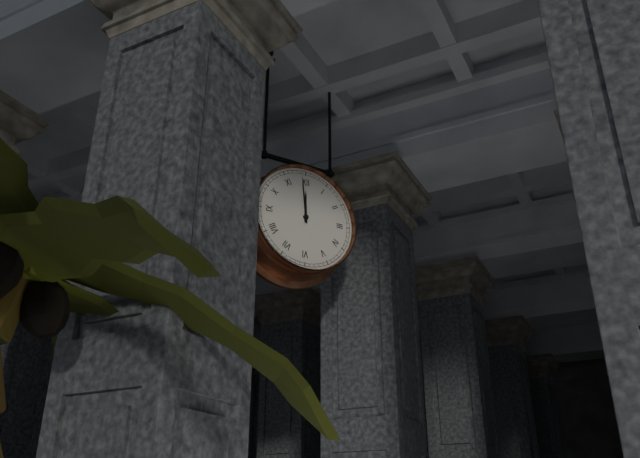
11.59
